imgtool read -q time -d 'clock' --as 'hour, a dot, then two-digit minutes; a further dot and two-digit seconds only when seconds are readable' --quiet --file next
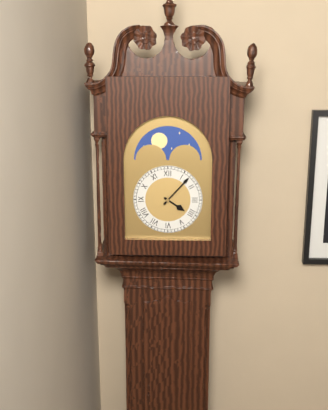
4.07
